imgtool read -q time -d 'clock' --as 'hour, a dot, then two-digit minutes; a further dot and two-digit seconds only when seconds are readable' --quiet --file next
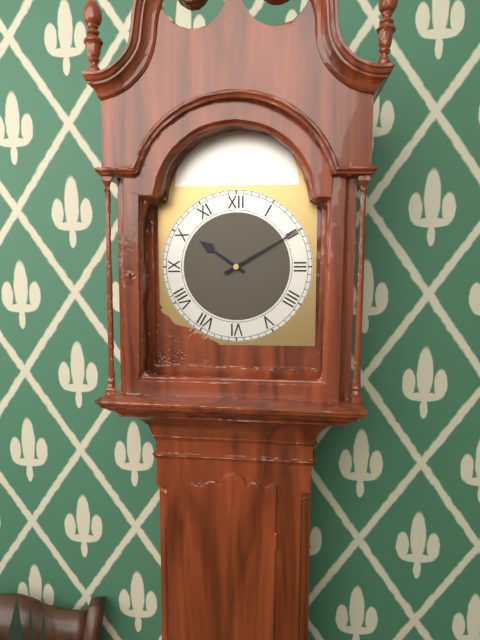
10.10
